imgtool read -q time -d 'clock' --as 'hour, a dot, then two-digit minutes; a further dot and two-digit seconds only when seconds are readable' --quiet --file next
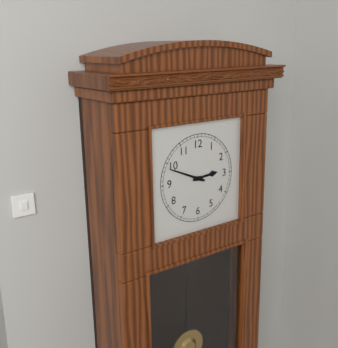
2.49
